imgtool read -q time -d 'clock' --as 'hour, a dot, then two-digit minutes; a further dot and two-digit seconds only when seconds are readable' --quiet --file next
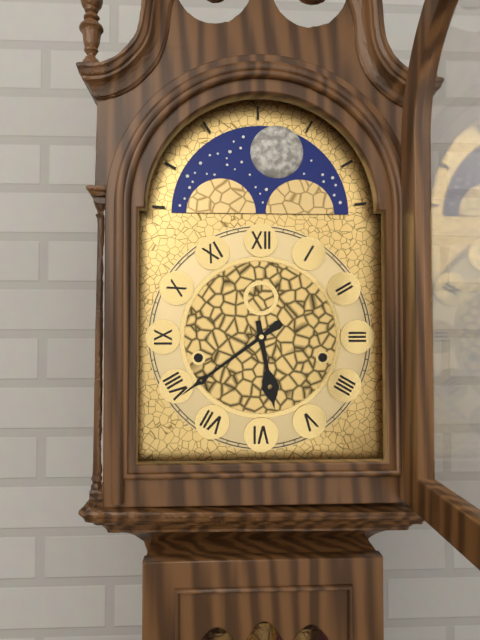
5.39
